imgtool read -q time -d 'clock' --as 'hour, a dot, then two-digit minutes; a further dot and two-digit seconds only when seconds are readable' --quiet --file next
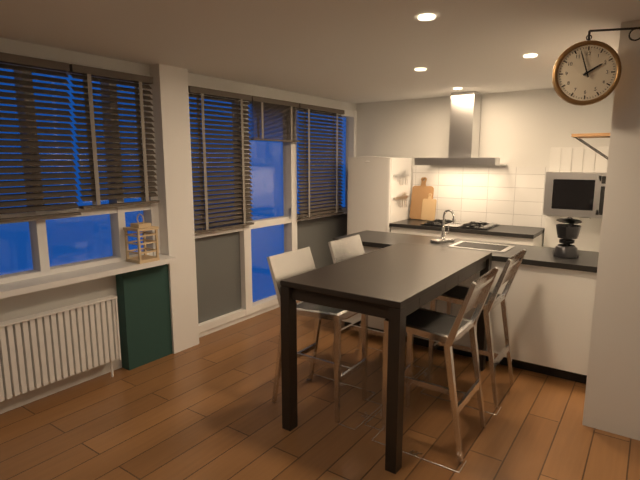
1.57
